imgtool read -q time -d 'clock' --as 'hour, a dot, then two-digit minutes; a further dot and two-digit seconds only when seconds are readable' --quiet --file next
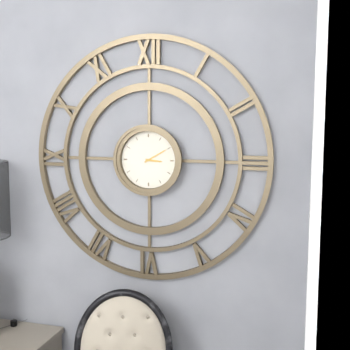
3.10
